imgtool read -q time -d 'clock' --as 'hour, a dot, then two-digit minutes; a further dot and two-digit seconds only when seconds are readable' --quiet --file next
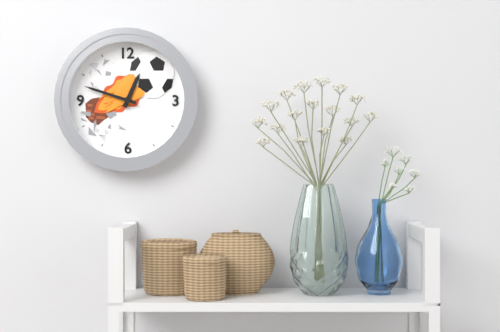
12.48
